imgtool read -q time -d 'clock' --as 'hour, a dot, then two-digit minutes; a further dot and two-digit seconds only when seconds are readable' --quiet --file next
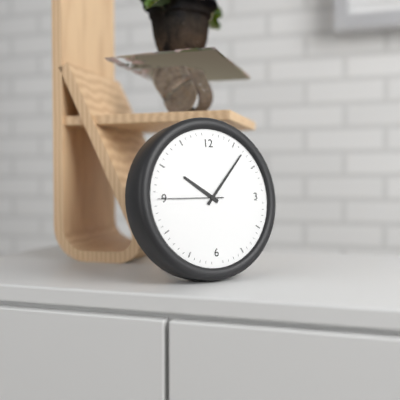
10.07.45
